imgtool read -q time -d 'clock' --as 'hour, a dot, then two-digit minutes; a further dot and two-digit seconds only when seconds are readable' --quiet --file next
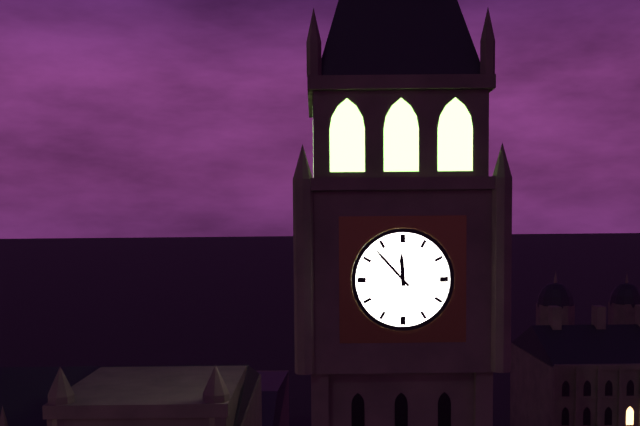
11.53
